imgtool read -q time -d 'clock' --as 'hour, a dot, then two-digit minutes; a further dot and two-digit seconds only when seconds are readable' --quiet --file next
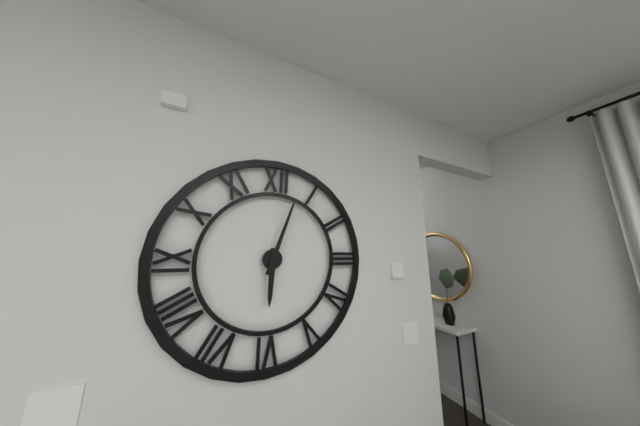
6.03
